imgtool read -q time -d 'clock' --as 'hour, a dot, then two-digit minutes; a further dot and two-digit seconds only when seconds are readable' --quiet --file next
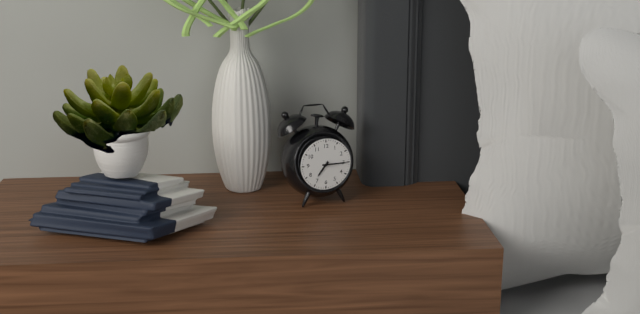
7.15
